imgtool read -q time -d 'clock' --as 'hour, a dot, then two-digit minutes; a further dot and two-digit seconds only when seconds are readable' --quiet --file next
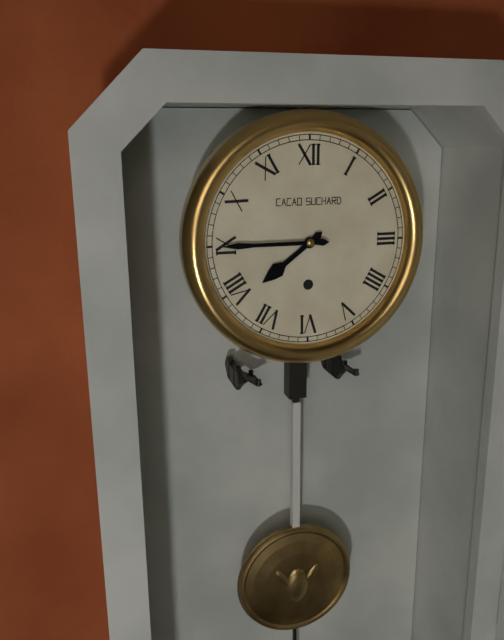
7.45
